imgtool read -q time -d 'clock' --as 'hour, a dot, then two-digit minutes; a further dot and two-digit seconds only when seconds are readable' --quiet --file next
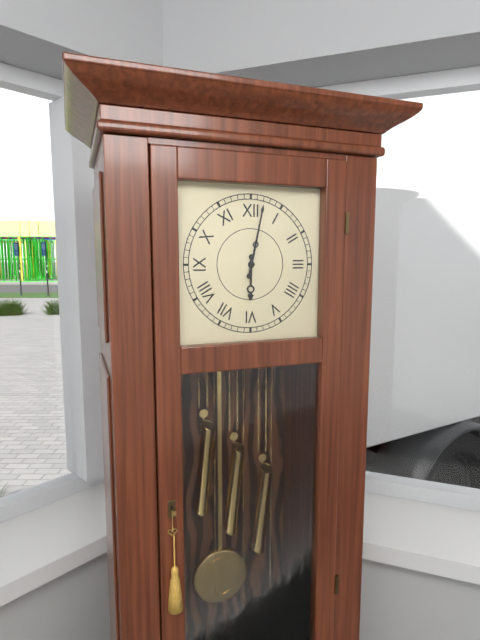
6.02
